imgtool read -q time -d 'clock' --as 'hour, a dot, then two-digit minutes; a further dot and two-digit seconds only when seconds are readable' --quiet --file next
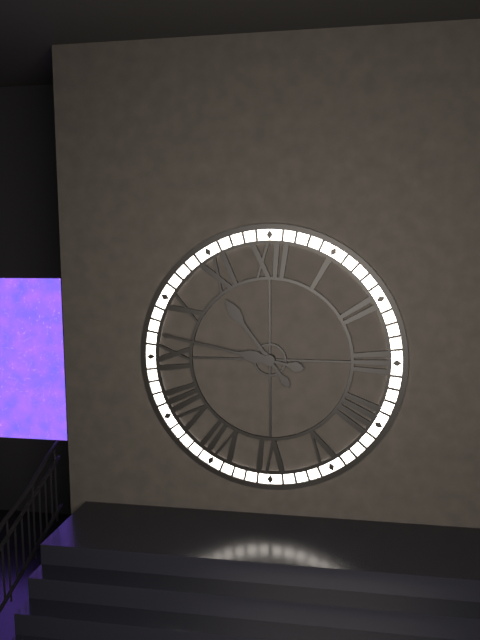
10.47
